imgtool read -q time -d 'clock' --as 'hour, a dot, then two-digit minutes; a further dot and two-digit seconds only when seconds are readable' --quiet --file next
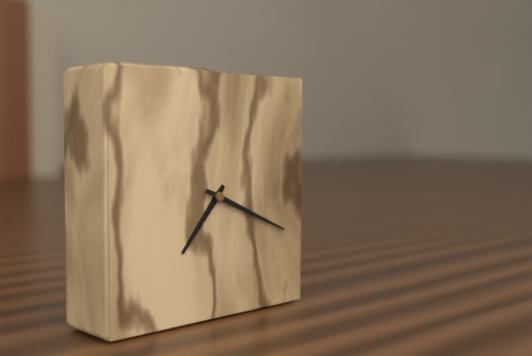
7.19
